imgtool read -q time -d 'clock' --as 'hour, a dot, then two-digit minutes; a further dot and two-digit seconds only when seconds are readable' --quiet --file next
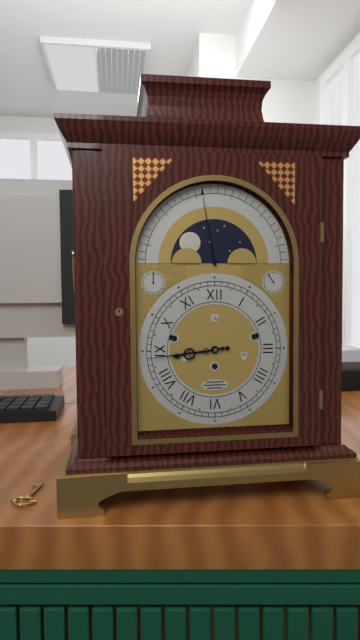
8.44
